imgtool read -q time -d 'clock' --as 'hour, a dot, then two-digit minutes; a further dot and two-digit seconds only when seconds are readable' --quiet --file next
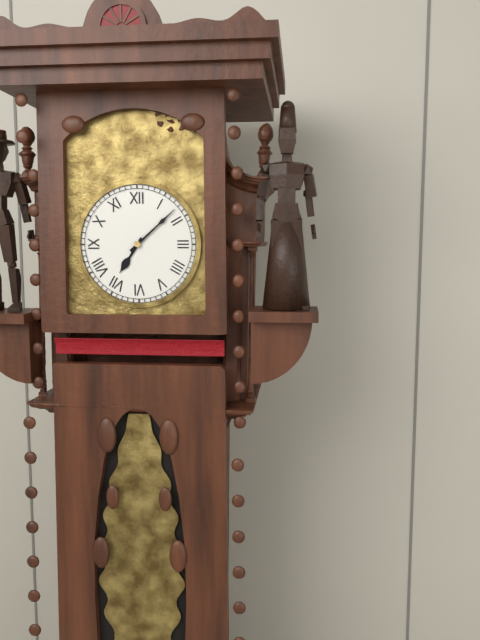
7.08
